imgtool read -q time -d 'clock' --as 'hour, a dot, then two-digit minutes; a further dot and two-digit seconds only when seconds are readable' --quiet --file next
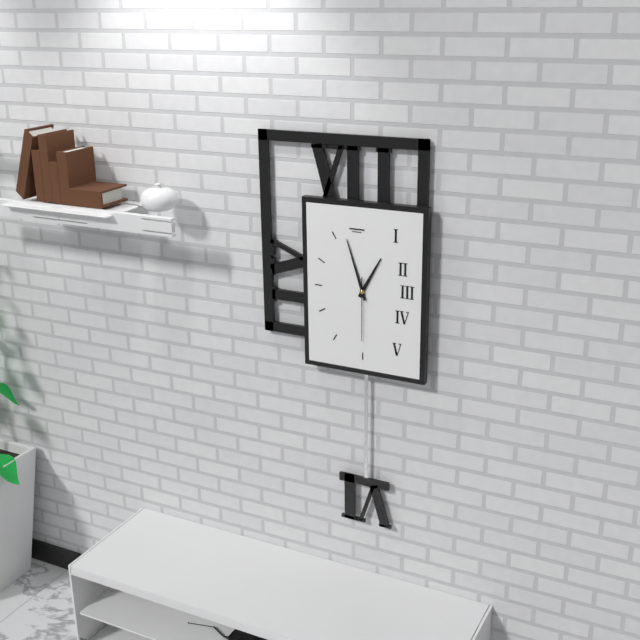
12.57.30
